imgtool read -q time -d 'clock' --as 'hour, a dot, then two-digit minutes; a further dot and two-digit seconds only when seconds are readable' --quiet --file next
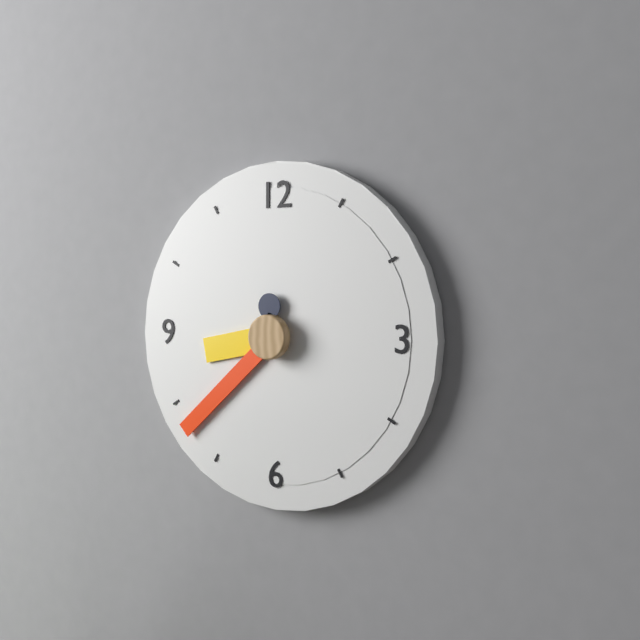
8.38.59
